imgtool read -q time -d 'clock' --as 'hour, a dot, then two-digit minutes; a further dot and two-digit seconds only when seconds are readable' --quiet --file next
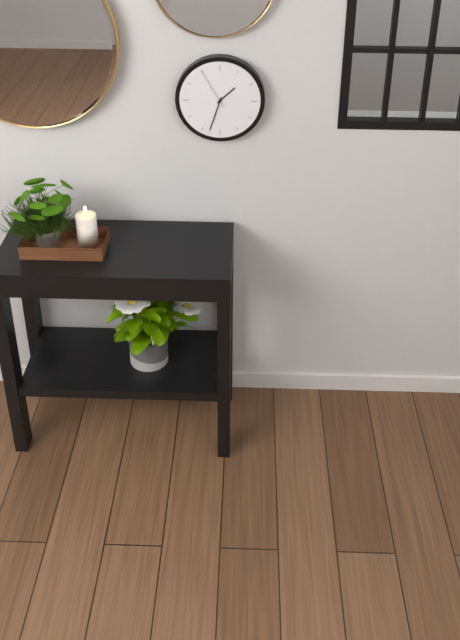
1.33
